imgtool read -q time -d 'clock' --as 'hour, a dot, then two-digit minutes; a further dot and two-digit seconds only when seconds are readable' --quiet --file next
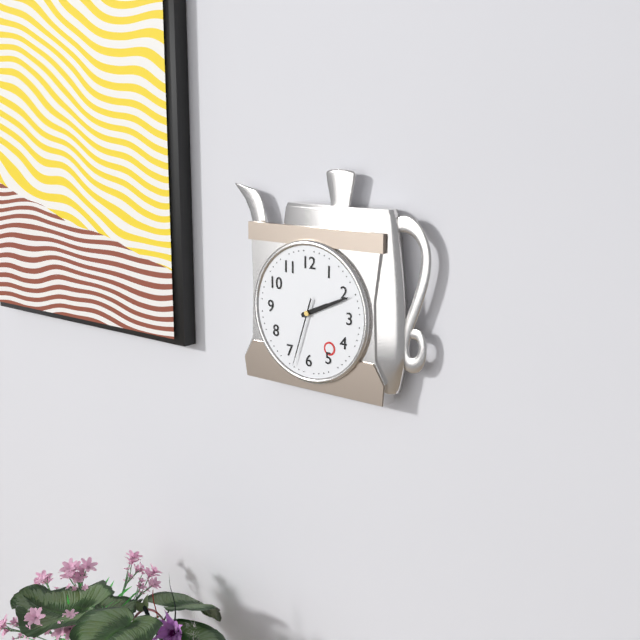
2.11.33
